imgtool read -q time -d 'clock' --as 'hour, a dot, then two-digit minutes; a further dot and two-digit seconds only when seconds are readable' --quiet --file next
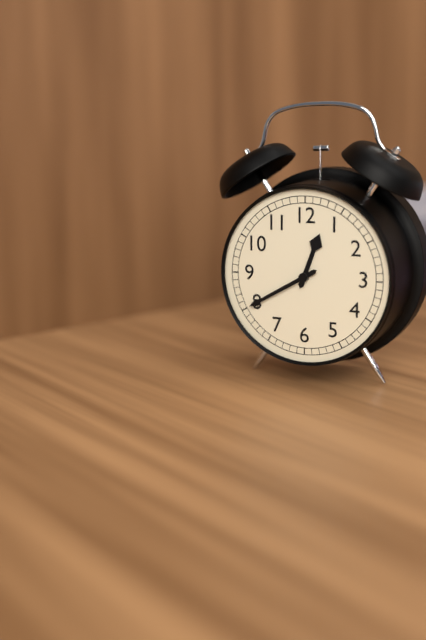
12.40
